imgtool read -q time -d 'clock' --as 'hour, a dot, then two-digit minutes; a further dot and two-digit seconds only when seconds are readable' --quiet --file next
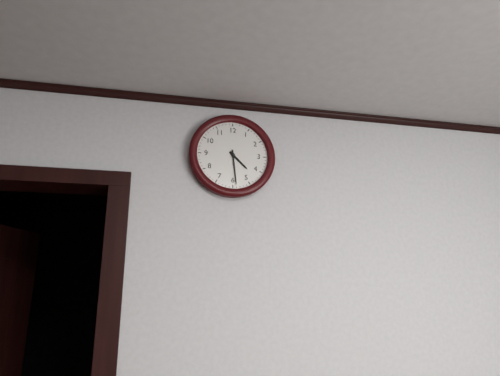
4.29
